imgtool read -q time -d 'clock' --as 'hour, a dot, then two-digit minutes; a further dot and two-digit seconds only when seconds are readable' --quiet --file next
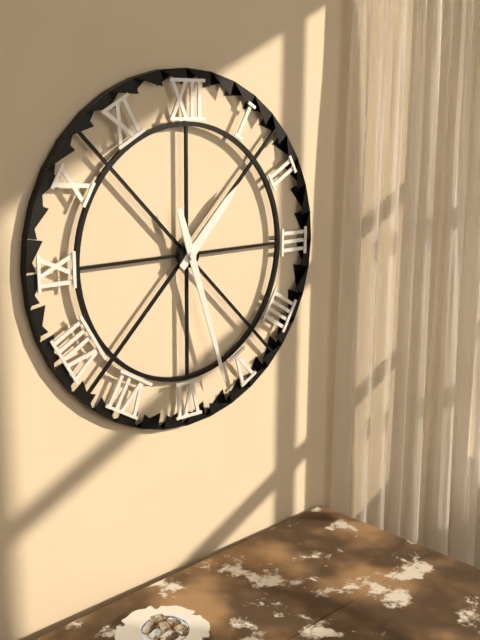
1.27
